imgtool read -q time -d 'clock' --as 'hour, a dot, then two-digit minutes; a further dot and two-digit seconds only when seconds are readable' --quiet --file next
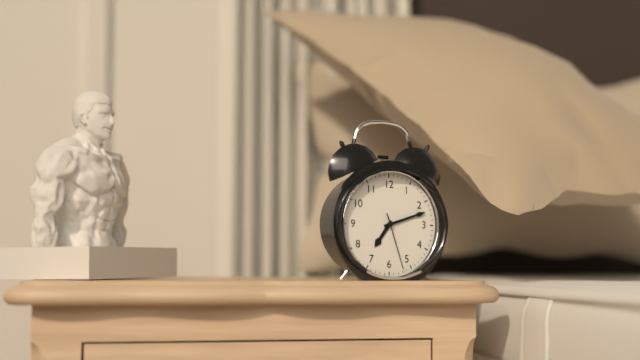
7.12.27
